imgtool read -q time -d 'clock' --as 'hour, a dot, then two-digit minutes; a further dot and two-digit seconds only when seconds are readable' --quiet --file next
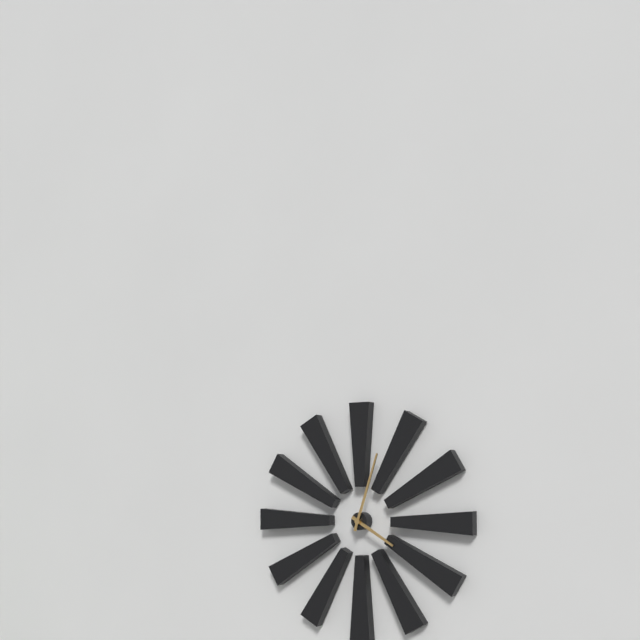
4.03
